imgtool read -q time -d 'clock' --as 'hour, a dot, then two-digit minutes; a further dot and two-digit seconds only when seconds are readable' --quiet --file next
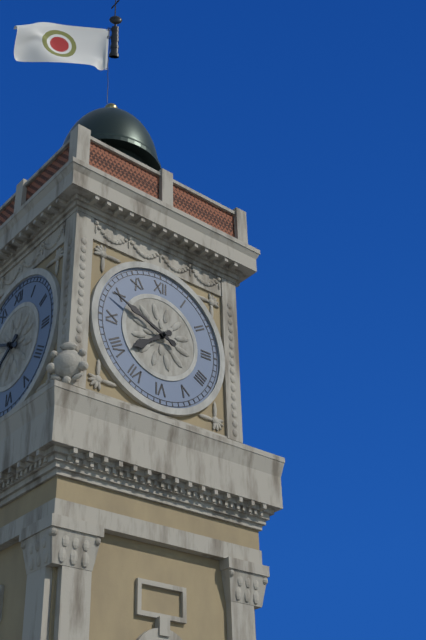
7.49
